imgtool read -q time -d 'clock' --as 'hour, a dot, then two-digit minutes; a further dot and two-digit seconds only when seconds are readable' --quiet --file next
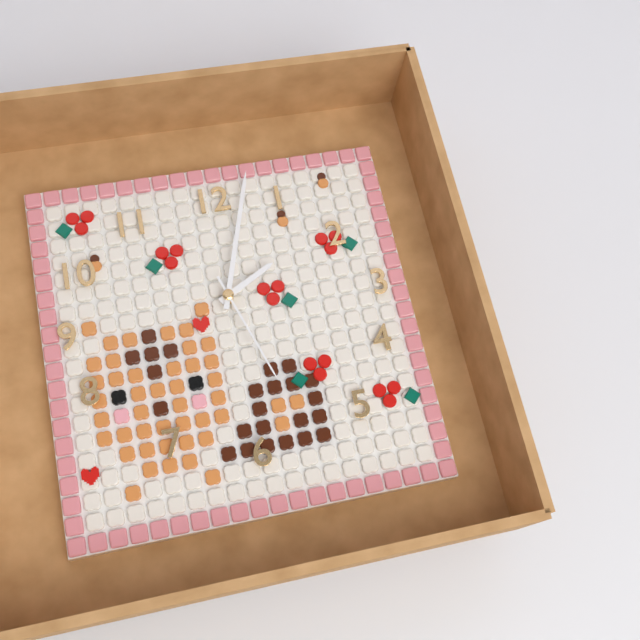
2.03.27
